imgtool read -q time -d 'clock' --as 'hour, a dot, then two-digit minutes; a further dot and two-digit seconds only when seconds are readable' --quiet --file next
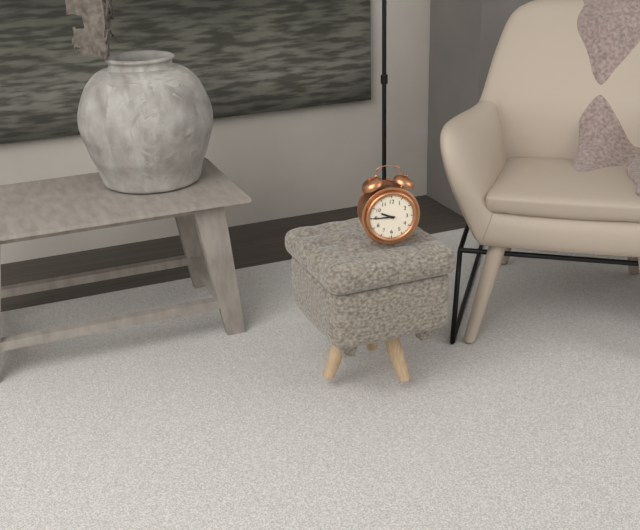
9.45
